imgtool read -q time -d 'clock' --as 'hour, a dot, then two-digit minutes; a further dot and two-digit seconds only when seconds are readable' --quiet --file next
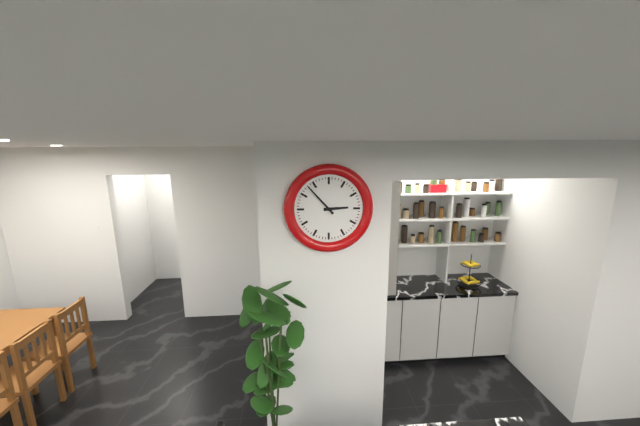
2.53
